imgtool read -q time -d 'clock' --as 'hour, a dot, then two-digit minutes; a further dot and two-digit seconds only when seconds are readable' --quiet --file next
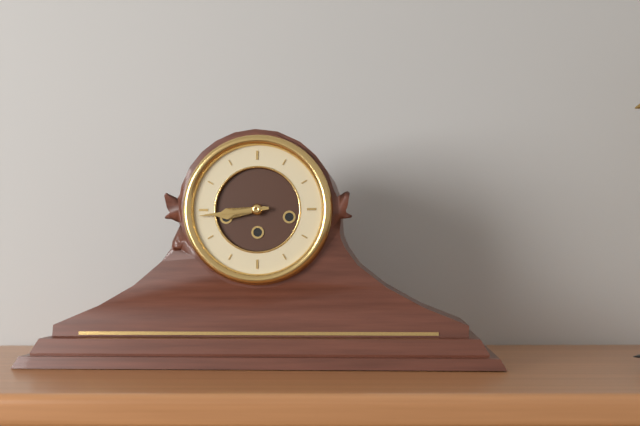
8.44
